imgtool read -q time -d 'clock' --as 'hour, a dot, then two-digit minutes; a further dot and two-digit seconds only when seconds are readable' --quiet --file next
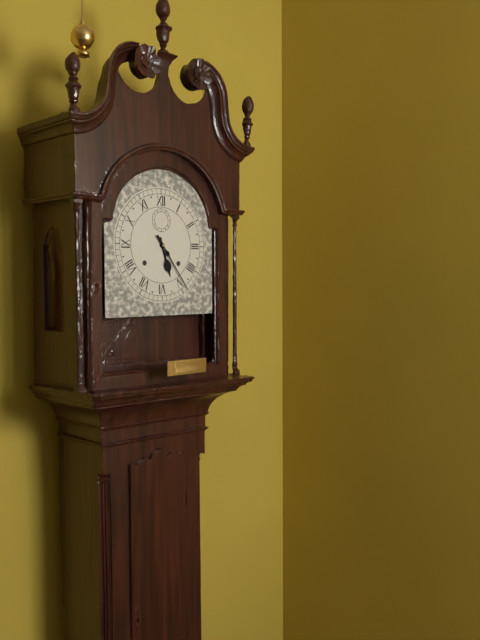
5.24
